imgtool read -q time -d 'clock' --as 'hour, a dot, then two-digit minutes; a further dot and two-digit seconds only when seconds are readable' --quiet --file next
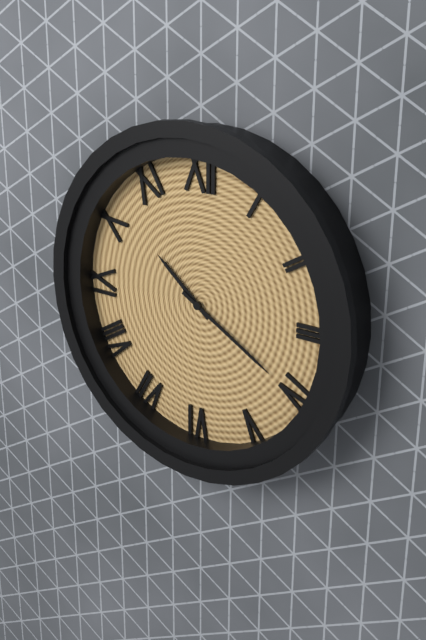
10.20
